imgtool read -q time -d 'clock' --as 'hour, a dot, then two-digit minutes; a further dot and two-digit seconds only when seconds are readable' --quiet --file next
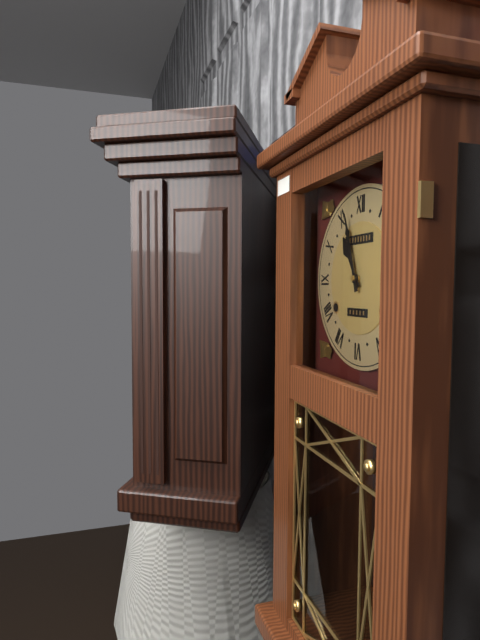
10.57
